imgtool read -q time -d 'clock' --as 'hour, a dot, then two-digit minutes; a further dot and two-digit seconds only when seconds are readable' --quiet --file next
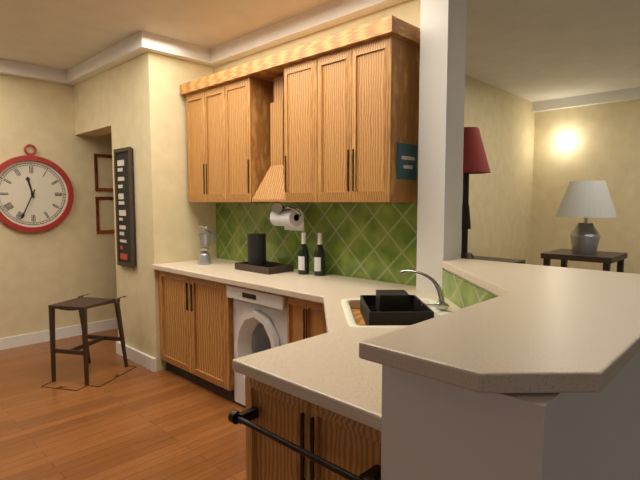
11.34
